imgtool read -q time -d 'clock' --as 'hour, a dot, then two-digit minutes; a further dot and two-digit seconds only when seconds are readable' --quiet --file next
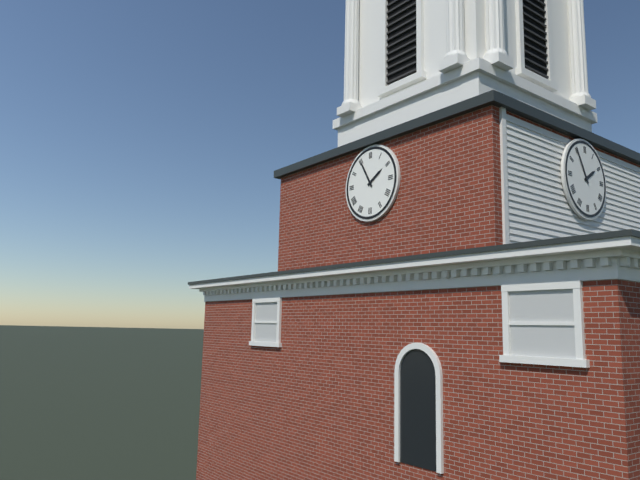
1.55
